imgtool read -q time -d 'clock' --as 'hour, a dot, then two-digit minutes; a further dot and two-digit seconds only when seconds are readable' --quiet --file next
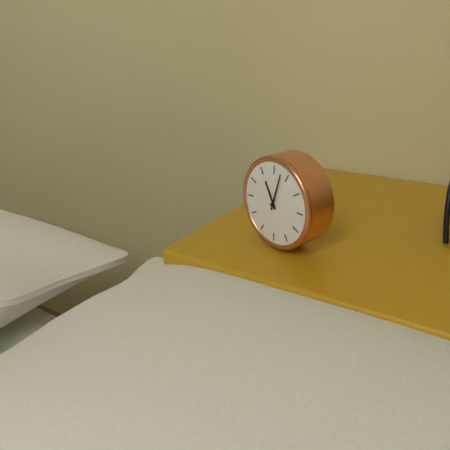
11.03
